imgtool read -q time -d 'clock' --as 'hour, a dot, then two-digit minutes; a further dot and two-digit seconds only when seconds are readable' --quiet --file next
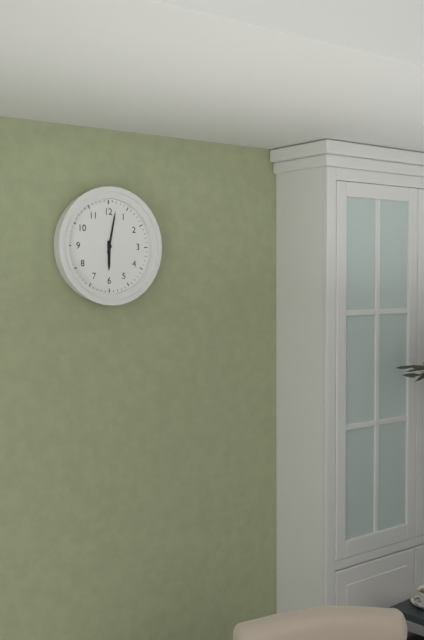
6.02
